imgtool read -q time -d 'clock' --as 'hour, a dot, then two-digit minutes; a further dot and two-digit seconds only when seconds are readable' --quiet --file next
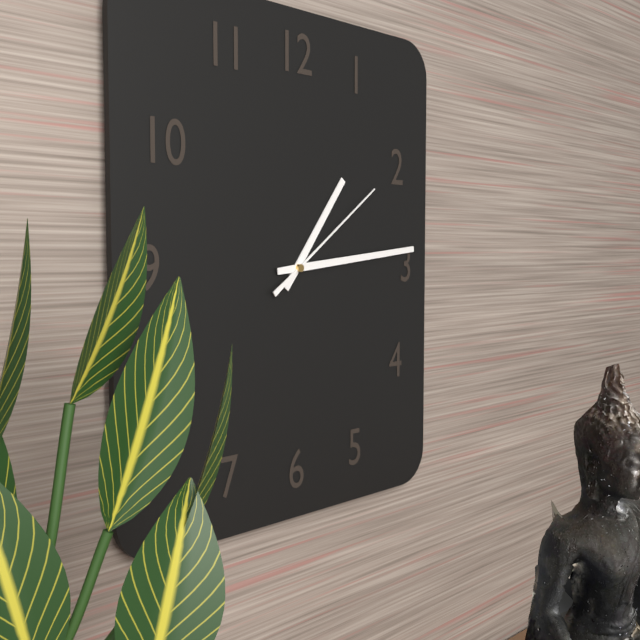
1.14.09
